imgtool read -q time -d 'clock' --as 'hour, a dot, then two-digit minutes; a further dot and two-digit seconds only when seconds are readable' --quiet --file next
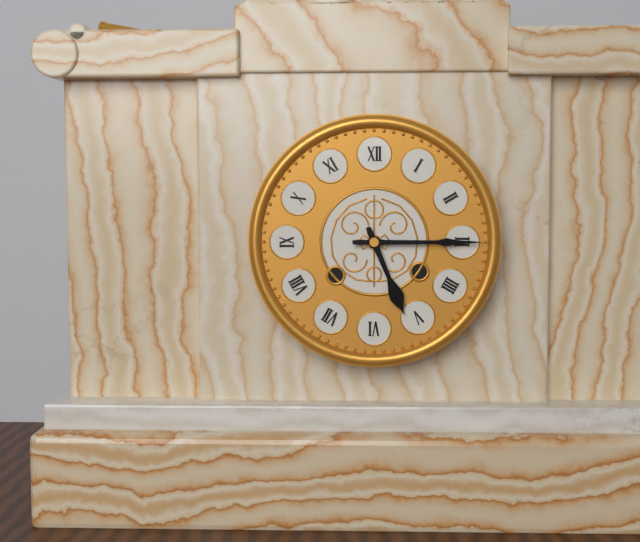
5.15
